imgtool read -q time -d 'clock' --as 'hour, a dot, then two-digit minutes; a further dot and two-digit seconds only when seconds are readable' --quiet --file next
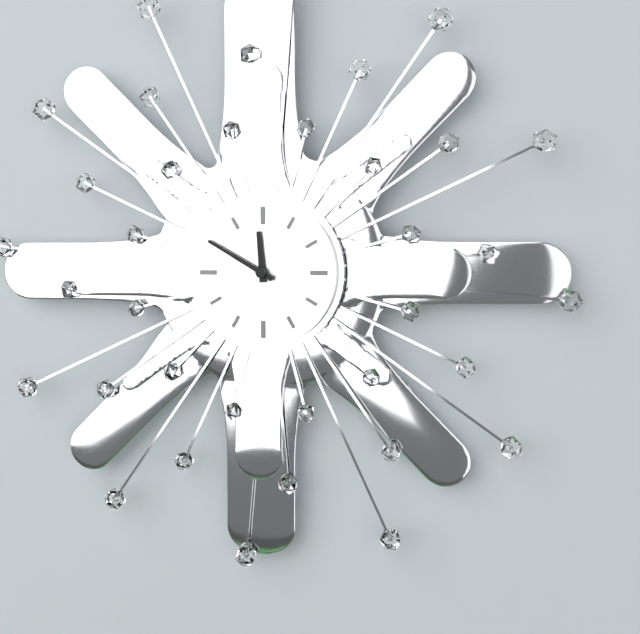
11.50
